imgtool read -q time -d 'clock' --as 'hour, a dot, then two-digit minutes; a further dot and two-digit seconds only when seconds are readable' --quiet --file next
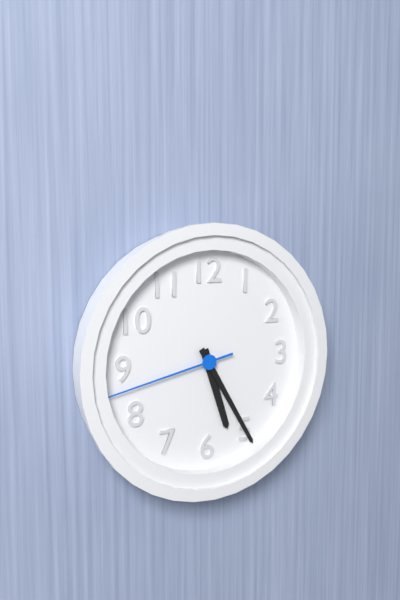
5.25.43
